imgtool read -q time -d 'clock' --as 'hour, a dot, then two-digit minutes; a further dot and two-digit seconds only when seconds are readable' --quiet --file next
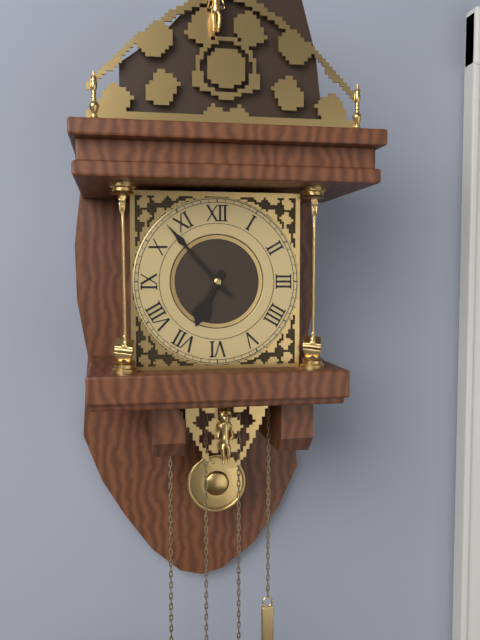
6.53
